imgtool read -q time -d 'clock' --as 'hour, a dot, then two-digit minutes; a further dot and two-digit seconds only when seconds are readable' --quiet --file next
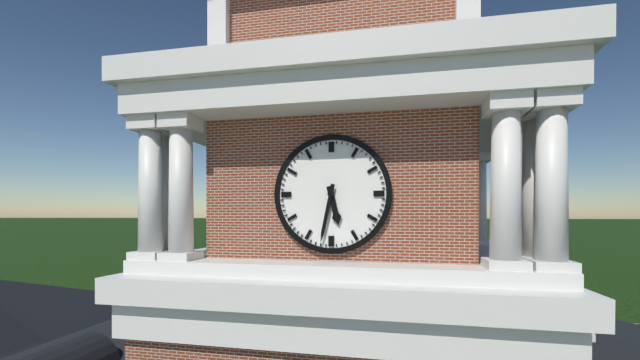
5.32
